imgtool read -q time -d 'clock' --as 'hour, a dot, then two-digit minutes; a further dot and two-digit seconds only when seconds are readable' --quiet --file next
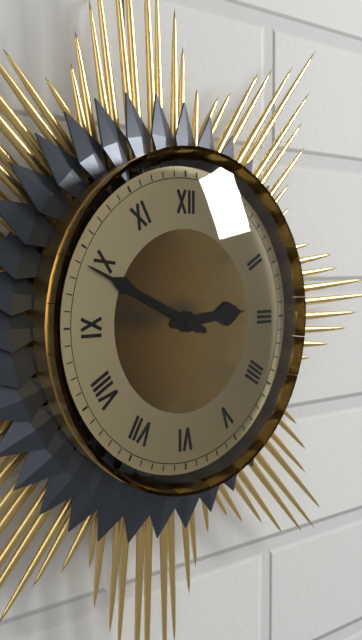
2.49
